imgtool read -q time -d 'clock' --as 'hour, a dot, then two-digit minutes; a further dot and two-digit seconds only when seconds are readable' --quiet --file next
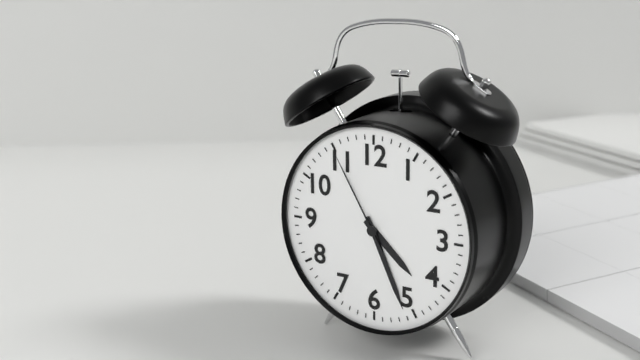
4.26.55
